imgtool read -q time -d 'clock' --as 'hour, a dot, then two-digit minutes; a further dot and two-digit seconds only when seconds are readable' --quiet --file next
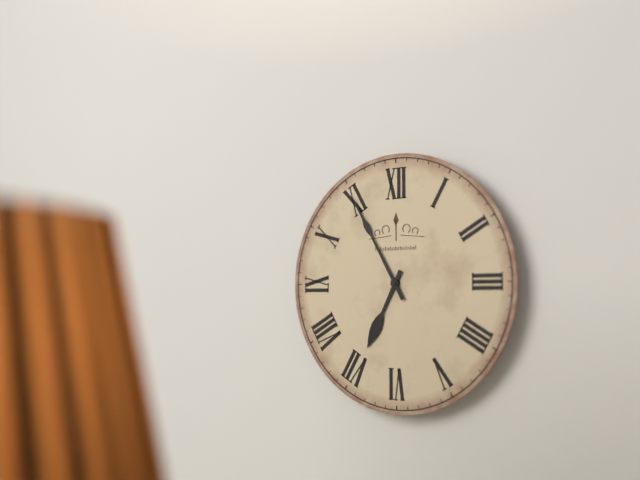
6.55
